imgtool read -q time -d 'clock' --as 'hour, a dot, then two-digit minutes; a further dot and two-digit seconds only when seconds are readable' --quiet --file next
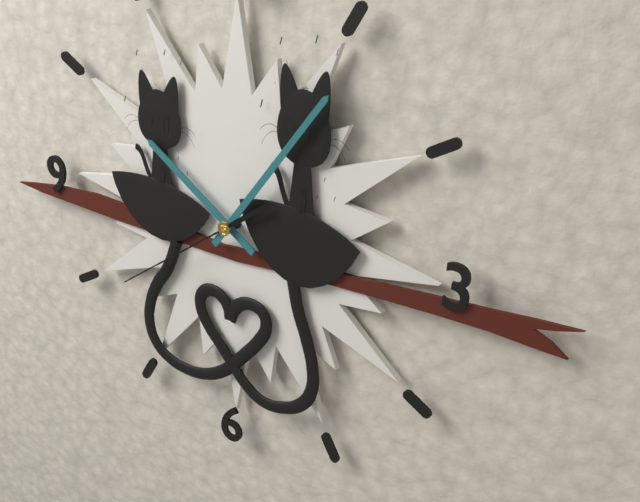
10.06.39
